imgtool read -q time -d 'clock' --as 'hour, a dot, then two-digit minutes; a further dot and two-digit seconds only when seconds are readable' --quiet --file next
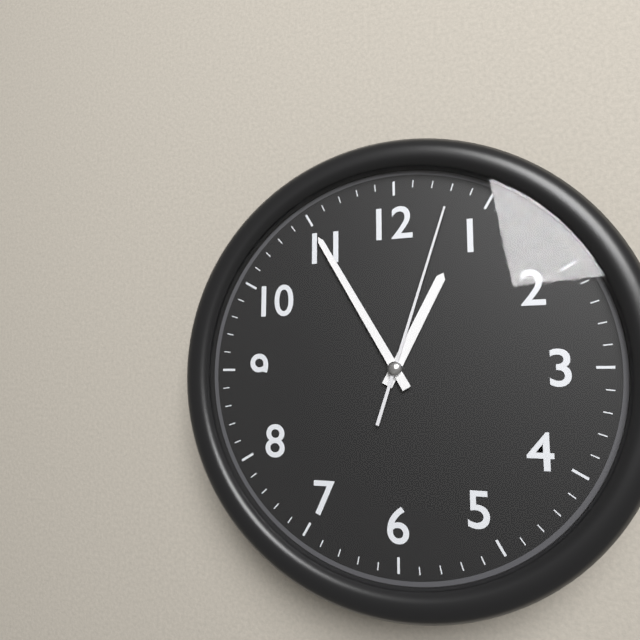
12.55.03
